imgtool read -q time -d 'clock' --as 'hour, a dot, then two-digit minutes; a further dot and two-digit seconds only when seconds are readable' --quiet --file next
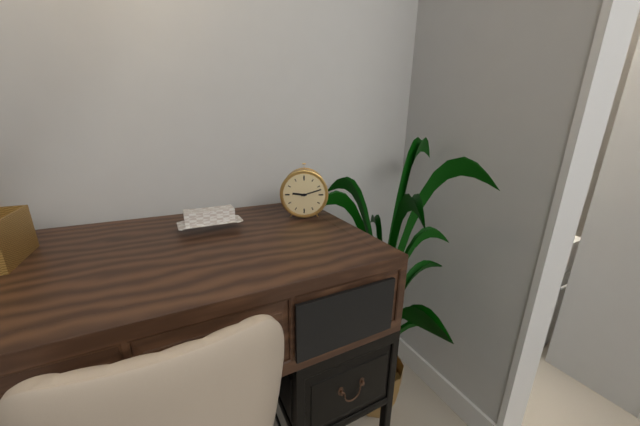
9.12
